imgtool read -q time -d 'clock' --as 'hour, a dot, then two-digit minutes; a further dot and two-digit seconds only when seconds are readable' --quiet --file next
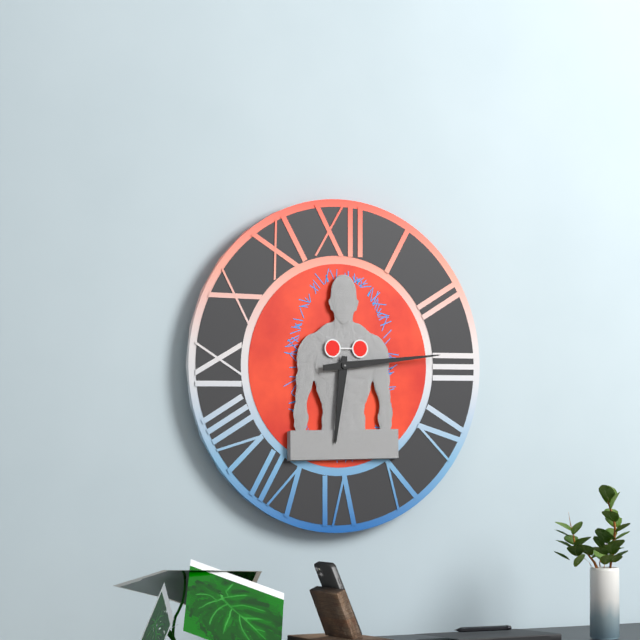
6.14
